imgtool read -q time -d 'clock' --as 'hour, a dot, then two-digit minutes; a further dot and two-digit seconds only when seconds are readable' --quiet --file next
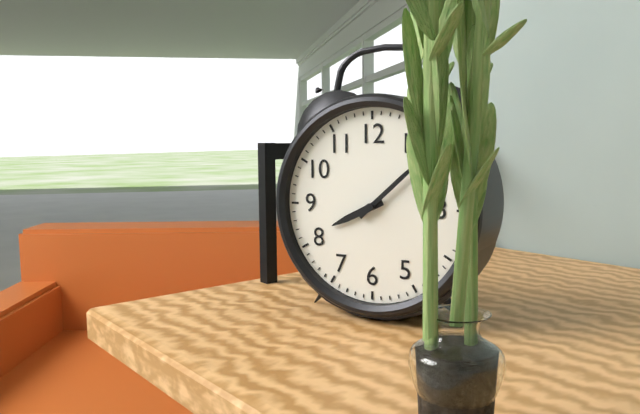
8.08
